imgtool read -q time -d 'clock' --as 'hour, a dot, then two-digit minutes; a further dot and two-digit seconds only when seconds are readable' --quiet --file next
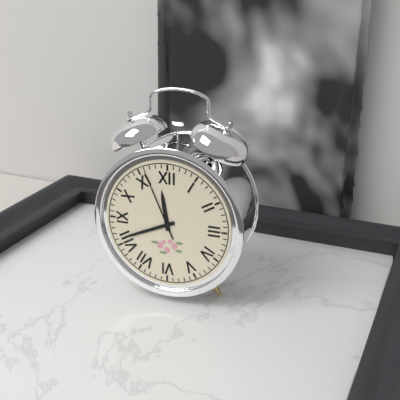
11.41.56
